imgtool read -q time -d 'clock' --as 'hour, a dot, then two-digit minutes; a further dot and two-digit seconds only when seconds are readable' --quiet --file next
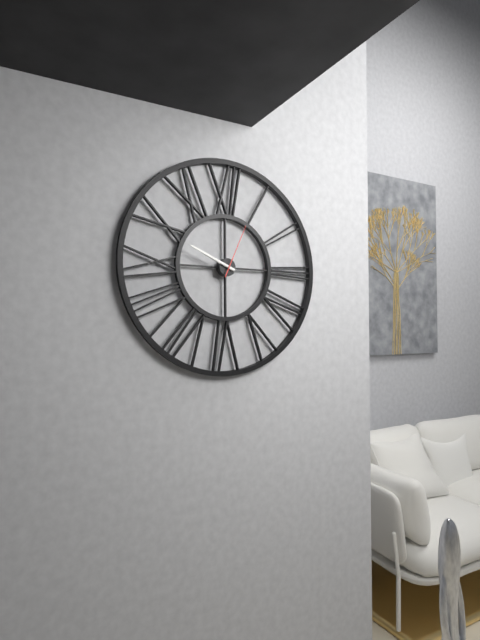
9.49.04
